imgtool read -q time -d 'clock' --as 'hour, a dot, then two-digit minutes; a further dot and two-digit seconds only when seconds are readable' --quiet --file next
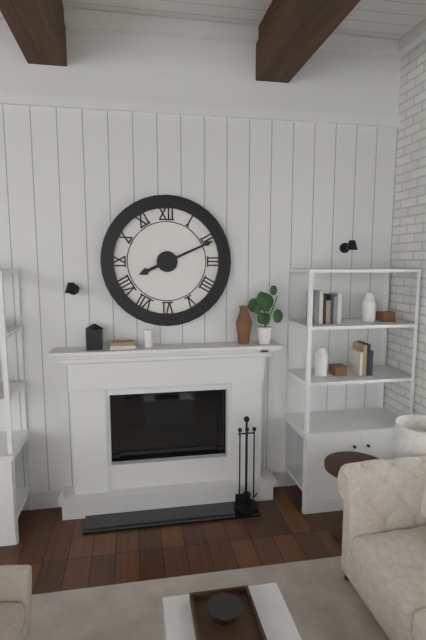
8.11
